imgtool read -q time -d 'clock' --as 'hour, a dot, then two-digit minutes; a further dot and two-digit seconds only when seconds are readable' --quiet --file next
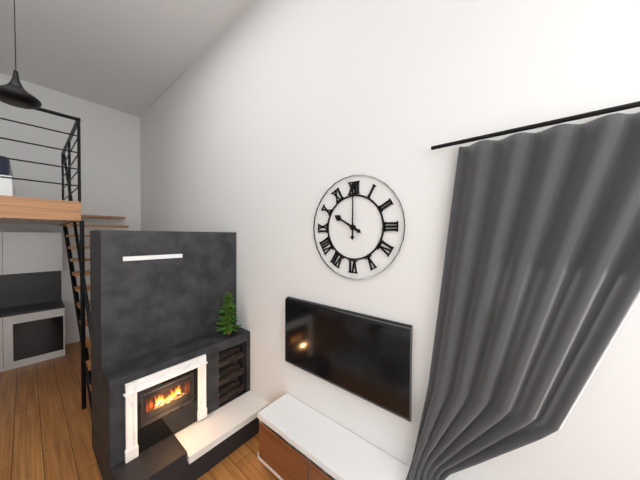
10.00
